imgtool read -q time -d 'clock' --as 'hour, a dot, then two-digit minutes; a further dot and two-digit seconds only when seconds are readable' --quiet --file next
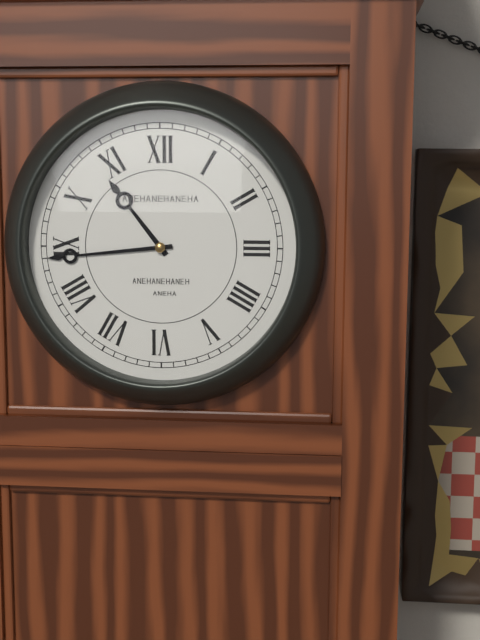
10.44
